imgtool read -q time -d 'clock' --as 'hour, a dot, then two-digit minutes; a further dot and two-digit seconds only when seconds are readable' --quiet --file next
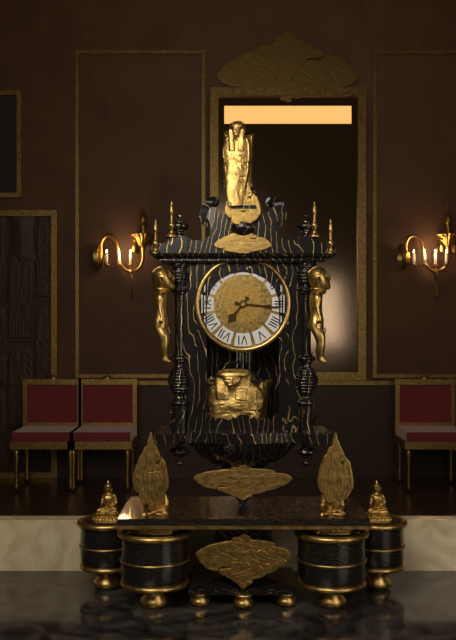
7.16
